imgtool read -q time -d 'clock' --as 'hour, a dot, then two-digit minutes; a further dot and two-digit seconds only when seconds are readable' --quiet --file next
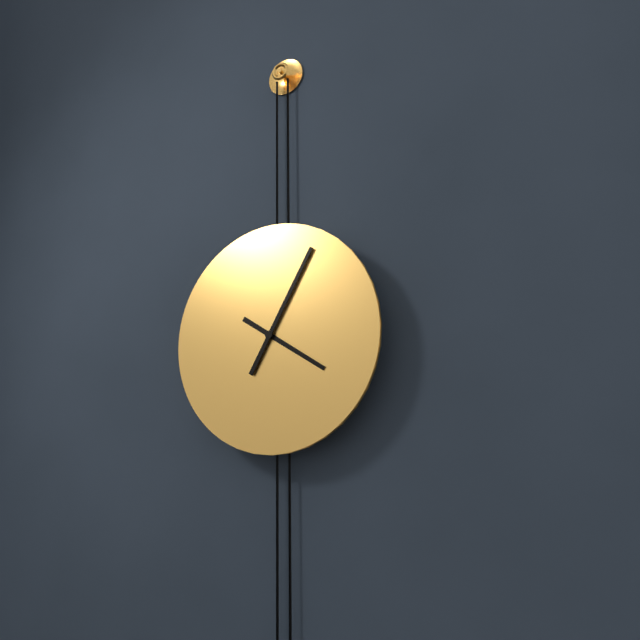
4.05
